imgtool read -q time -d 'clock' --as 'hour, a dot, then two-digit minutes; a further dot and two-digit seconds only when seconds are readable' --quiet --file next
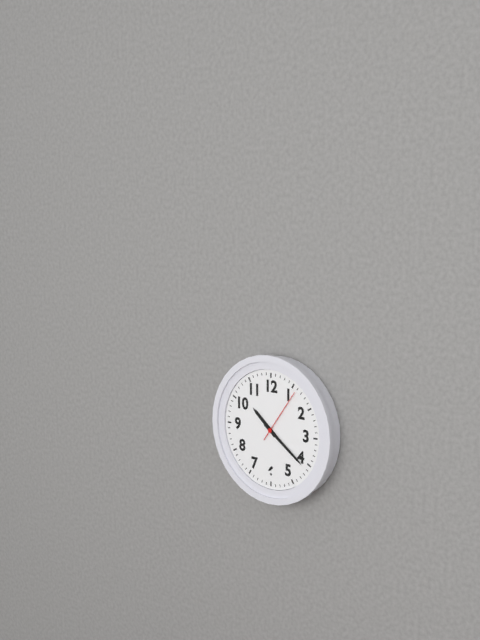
10.21.06
